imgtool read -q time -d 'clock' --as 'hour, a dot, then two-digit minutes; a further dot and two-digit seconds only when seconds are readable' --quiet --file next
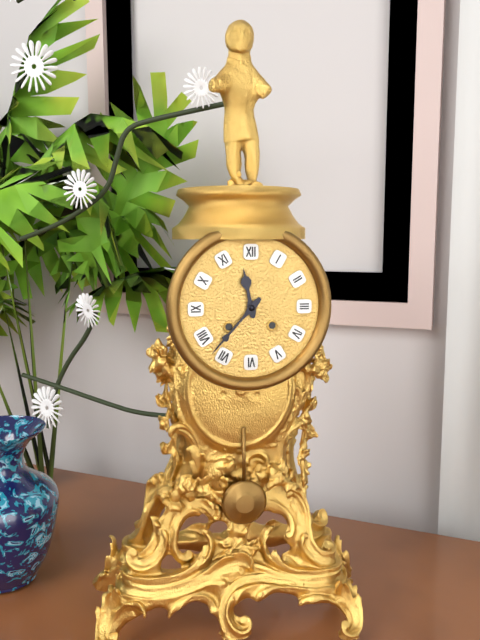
11.37
